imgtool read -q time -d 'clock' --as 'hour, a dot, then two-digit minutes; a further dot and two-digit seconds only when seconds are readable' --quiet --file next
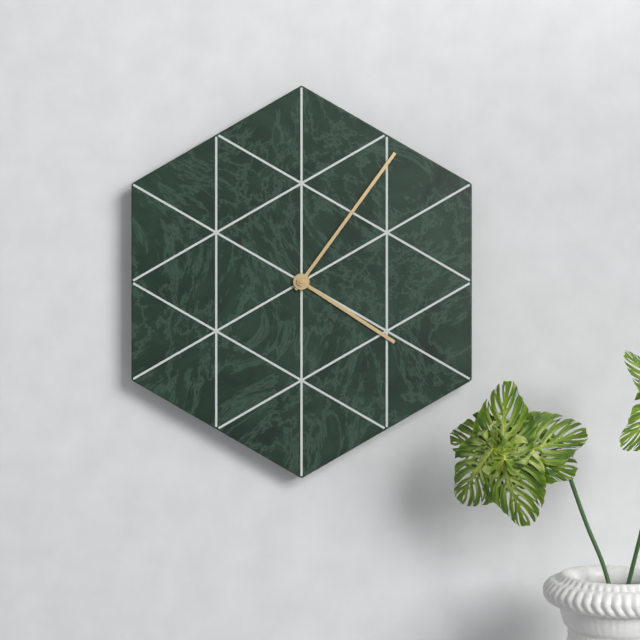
4.06
